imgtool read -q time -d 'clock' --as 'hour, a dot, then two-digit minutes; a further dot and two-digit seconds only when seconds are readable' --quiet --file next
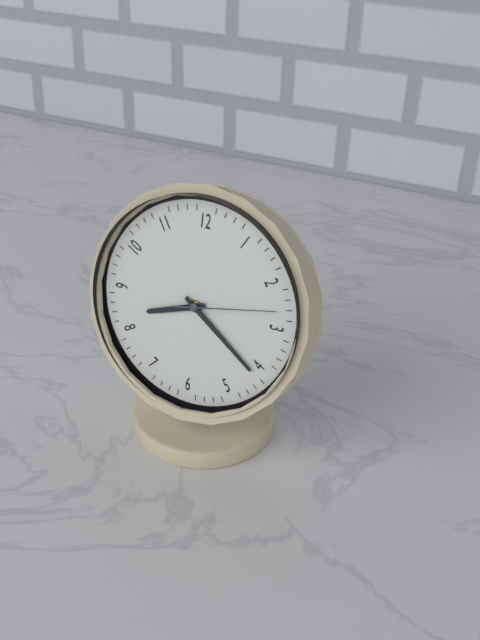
8.21.13
